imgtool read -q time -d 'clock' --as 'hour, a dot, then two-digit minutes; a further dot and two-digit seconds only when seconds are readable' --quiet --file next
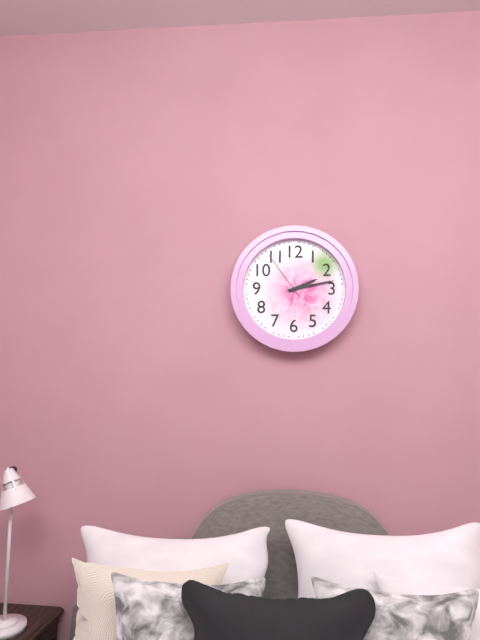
2.13.54
